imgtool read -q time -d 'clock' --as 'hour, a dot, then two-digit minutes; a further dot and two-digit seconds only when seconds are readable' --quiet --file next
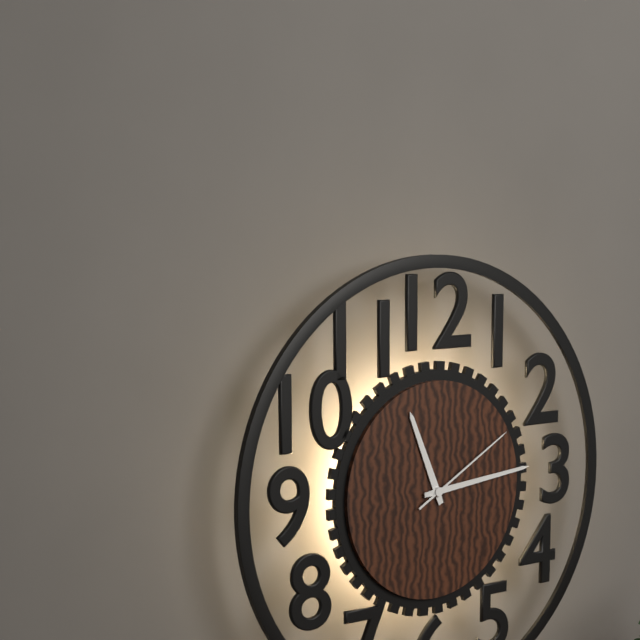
11.14.10
